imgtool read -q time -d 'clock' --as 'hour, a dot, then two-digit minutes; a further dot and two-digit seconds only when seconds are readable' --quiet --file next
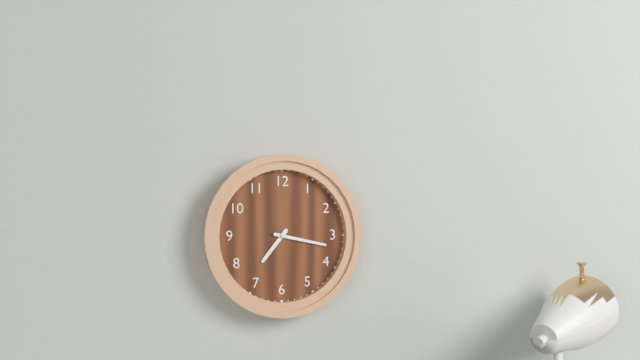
7.17
